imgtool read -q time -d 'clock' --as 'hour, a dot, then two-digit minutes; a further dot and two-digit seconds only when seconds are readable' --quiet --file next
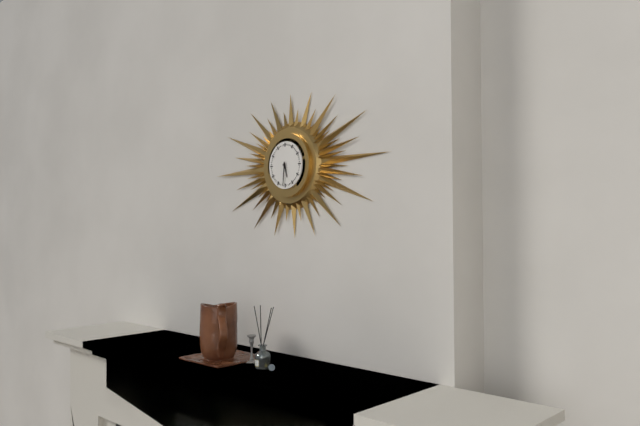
5.31
